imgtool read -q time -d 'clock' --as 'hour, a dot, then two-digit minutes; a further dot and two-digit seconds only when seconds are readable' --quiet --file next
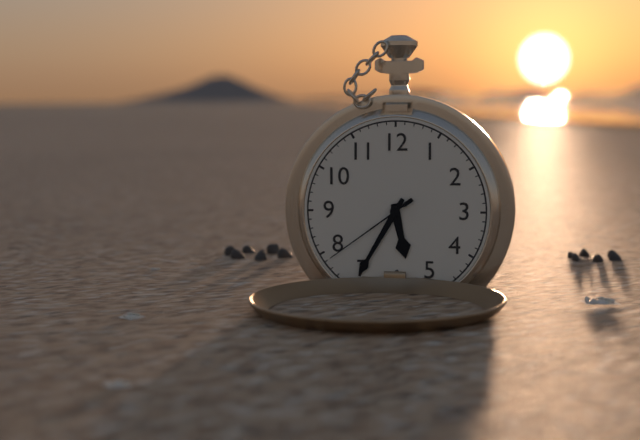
5.35.39
